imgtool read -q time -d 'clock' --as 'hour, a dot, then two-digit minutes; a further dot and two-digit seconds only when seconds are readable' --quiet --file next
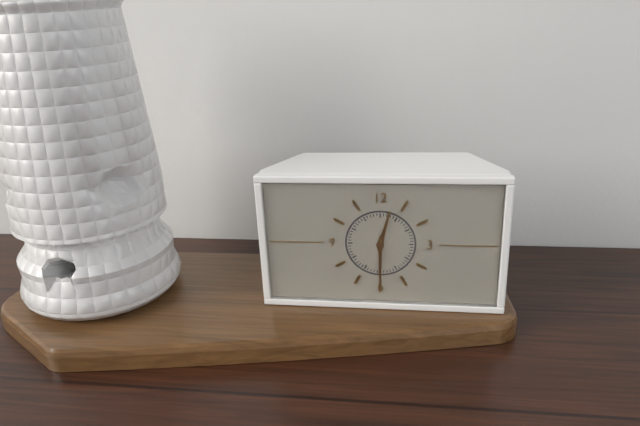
12.30
